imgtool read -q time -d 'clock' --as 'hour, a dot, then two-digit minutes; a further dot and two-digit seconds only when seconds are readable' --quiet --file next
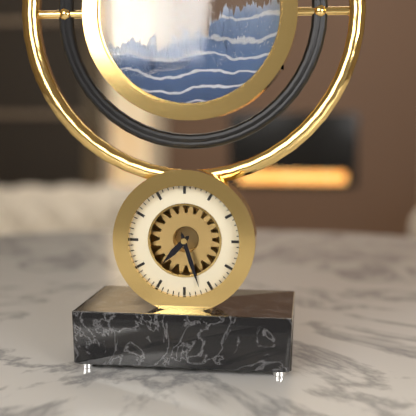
7.27
